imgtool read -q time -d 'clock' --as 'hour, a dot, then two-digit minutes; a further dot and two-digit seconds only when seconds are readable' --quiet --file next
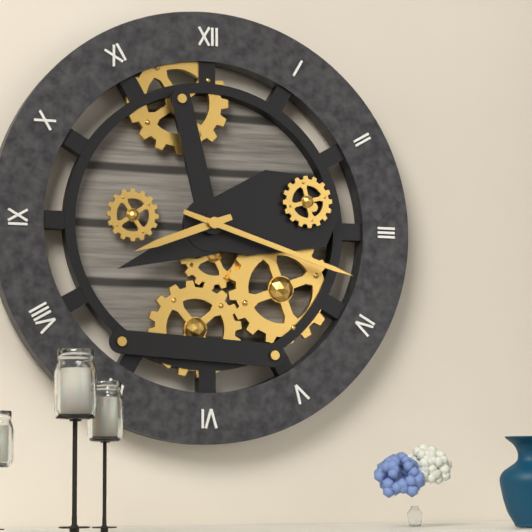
8.18
